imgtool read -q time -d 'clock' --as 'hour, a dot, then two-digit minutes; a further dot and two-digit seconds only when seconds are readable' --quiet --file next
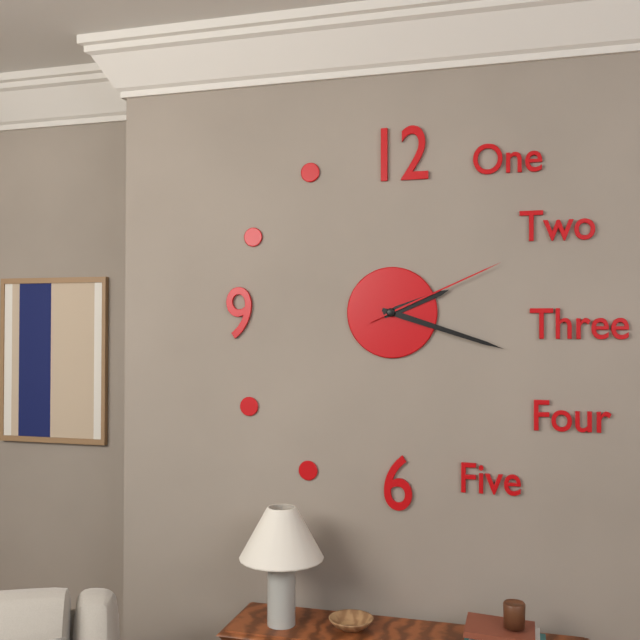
2.18.11
